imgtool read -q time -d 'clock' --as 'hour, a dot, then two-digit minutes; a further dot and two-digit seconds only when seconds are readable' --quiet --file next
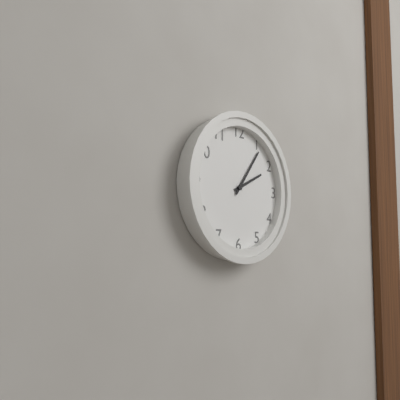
2.06
